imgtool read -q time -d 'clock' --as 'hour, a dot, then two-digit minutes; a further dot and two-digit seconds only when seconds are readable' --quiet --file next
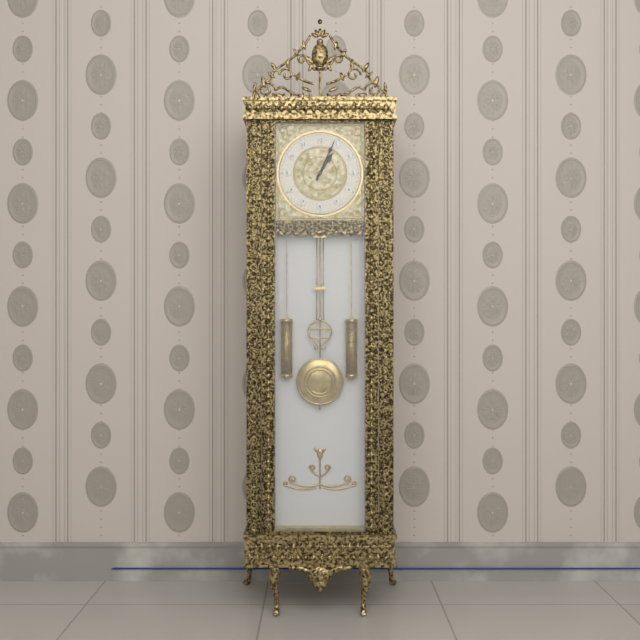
1.04
